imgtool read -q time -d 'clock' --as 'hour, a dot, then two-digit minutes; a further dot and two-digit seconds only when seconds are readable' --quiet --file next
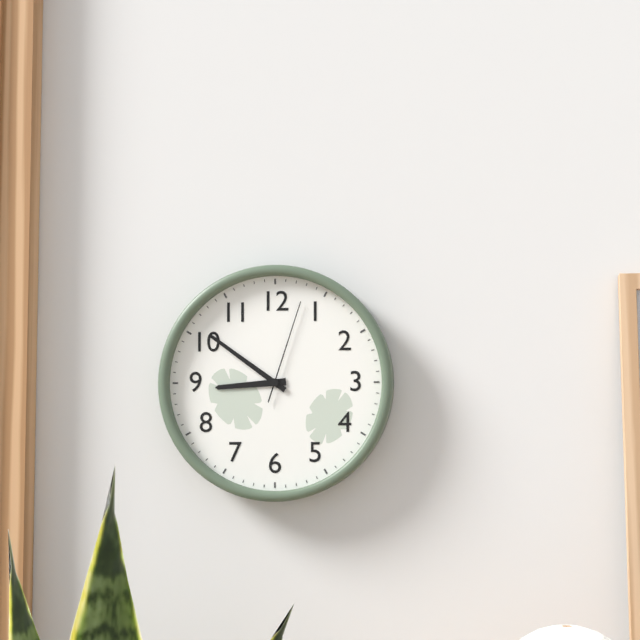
8.51.03
